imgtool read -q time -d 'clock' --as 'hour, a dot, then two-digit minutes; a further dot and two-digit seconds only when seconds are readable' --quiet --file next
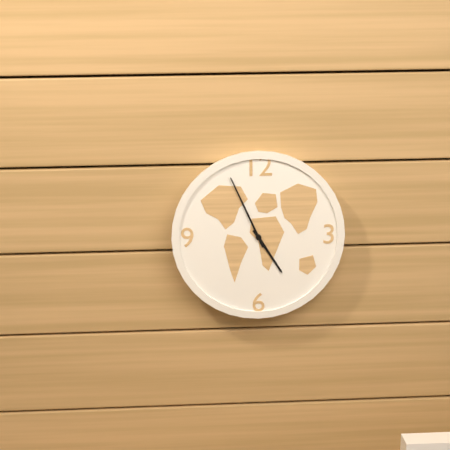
4.56
